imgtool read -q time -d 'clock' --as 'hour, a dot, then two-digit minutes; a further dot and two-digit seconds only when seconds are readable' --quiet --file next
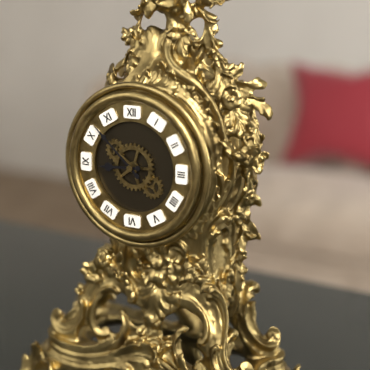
8.52
